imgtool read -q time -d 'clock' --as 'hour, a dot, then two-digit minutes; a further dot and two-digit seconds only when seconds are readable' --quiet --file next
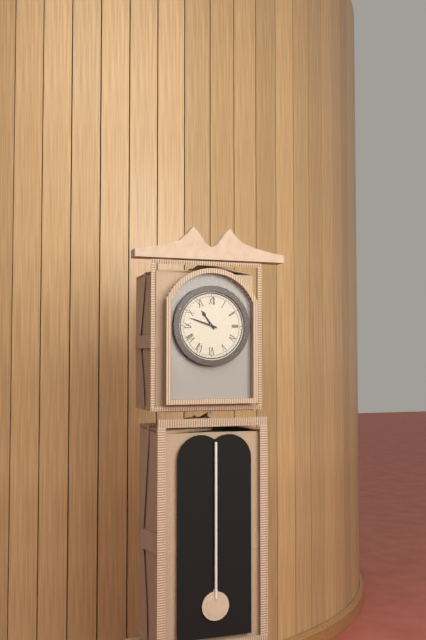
10.48
